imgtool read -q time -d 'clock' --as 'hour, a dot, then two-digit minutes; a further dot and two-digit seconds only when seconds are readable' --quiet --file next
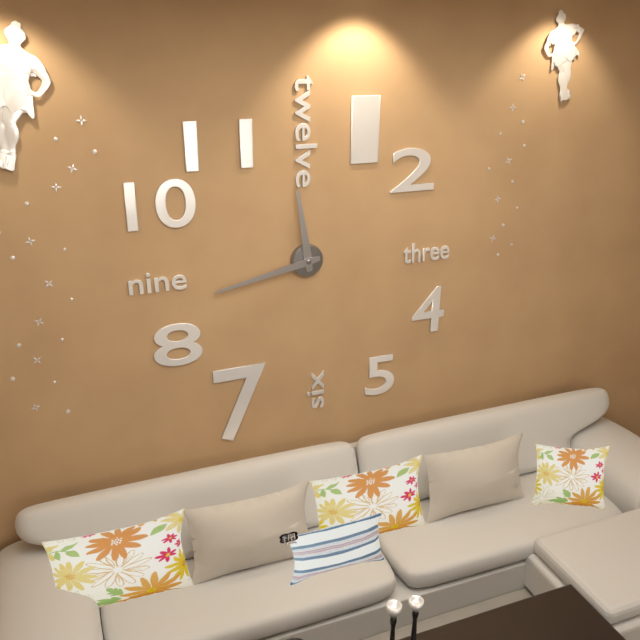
11.43
